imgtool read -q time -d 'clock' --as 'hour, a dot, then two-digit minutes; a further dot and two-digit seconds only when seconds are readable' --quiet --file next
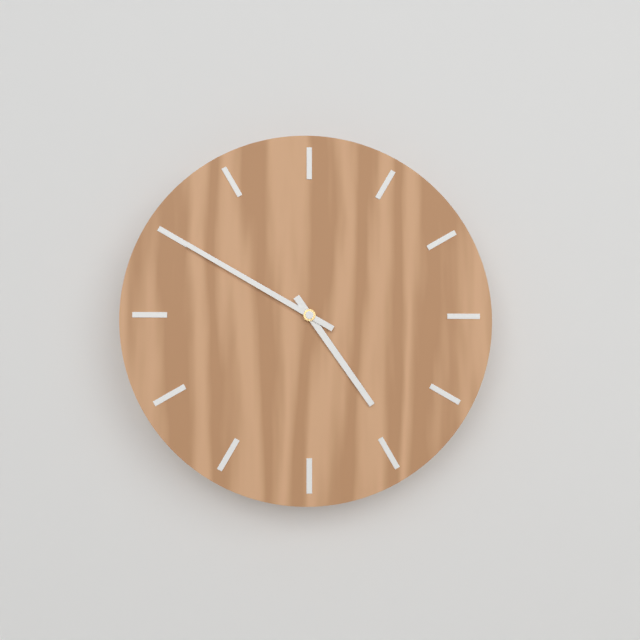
4.50
